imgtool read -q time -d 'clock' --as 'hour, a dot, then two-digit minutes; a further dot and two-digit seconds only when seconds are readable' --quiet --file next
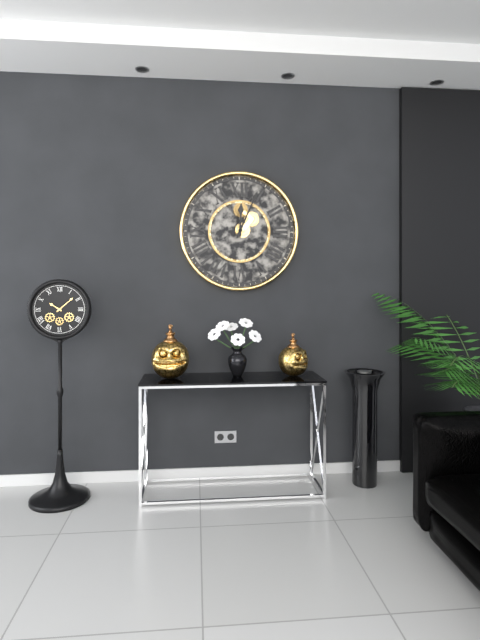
12.04
